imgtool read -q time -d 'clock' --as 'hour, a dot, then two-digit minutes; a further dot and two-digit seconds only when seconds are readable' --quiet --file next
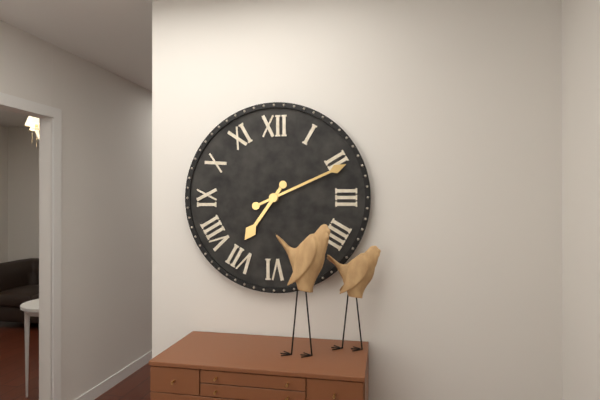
7.11
